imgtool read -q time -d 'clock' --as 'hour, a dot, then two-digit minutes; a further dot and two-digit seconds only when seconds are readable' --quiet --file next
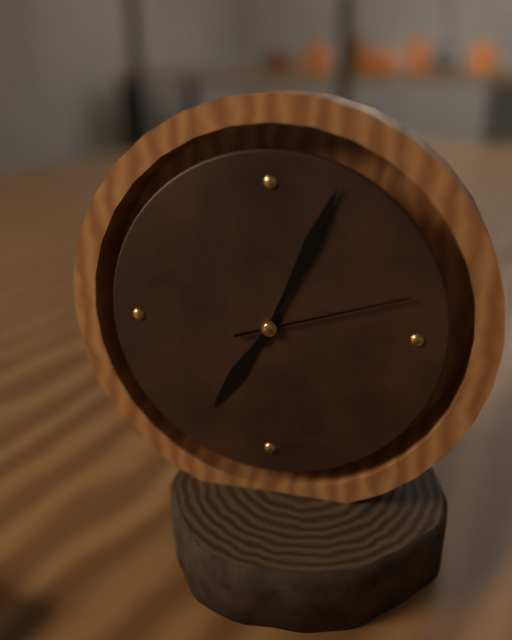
7.04.12
